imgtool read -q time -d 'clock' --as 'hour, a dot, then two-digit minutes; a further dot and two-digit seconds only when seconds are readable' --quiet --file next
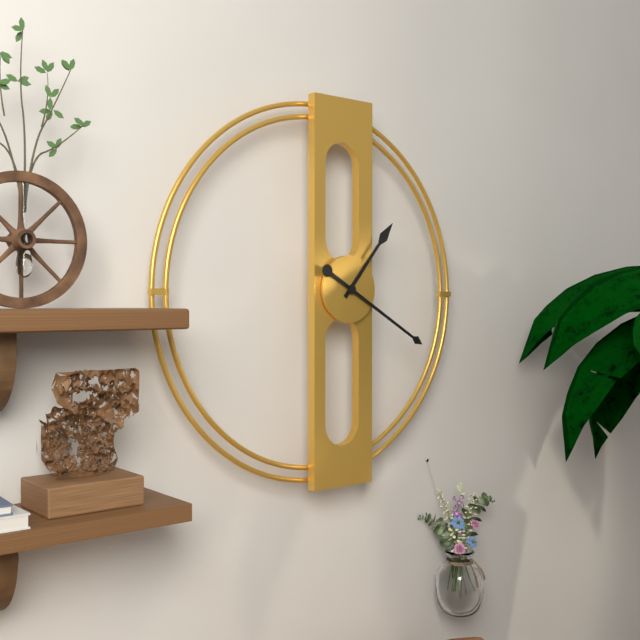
1.20
